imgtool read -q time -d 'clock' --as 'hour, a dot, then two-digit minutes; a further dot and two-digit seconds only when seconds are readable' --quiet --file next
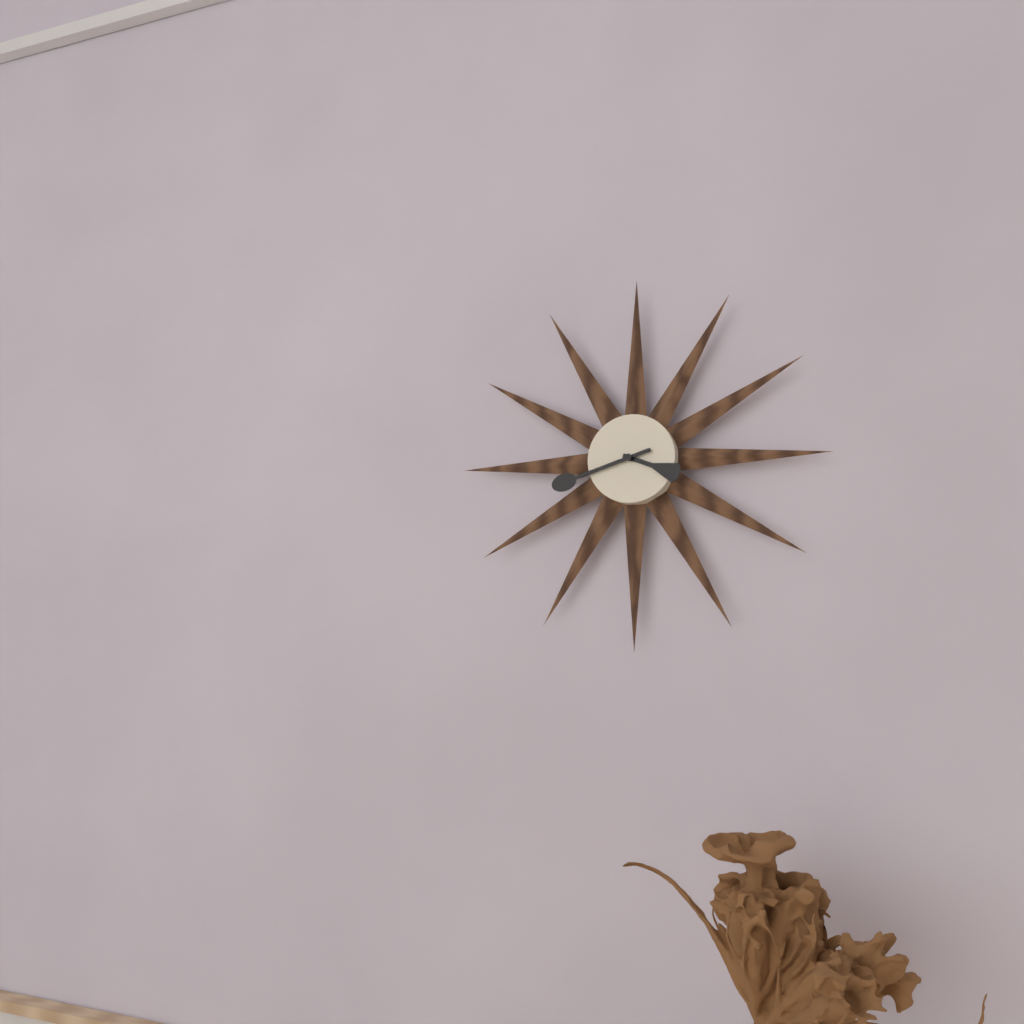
3.42
